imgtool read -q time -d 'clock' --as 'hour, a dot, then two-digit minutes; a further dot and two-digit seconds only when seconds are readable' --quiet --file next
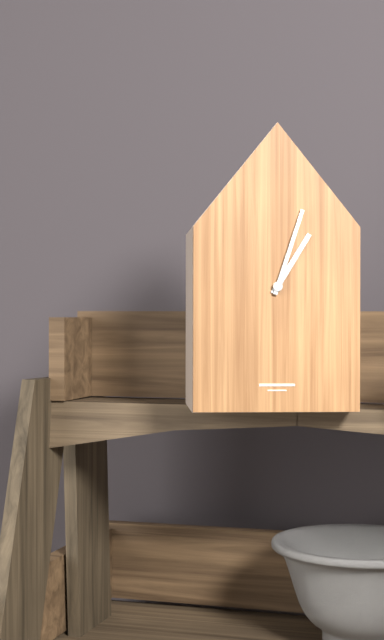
1.03
